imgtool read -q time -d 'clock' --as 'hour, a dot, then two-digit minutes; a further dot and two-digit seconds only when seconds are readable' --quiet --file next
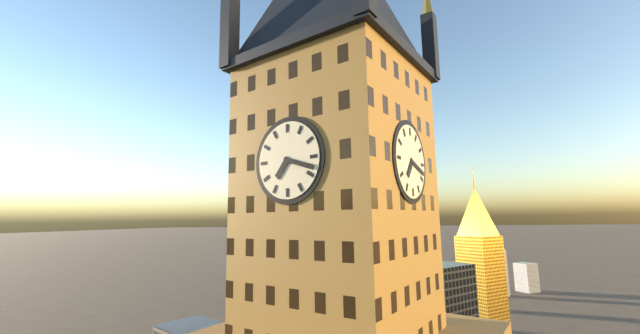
7.18
